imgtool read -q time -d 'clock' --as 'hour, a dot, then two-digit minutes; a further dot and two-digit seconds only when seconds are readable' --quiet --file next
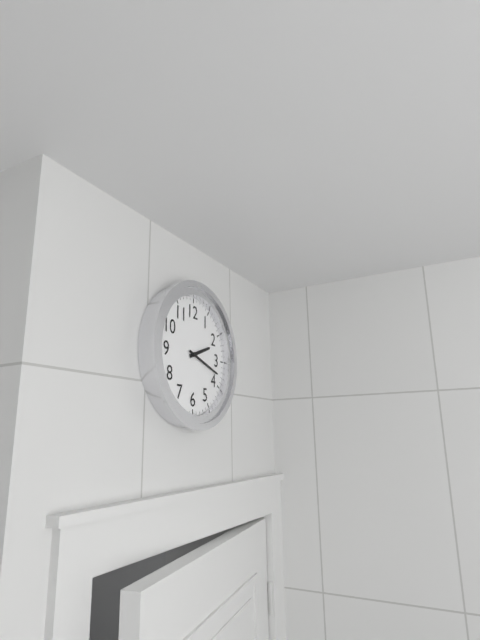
2.18
